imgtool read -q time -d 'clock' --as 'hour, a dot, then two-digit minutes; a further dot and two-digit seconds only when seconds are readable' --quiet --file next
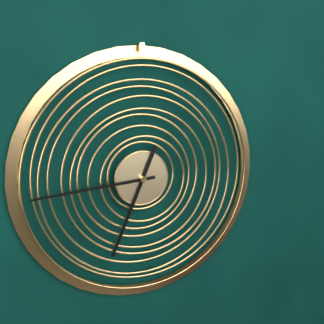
6.44
